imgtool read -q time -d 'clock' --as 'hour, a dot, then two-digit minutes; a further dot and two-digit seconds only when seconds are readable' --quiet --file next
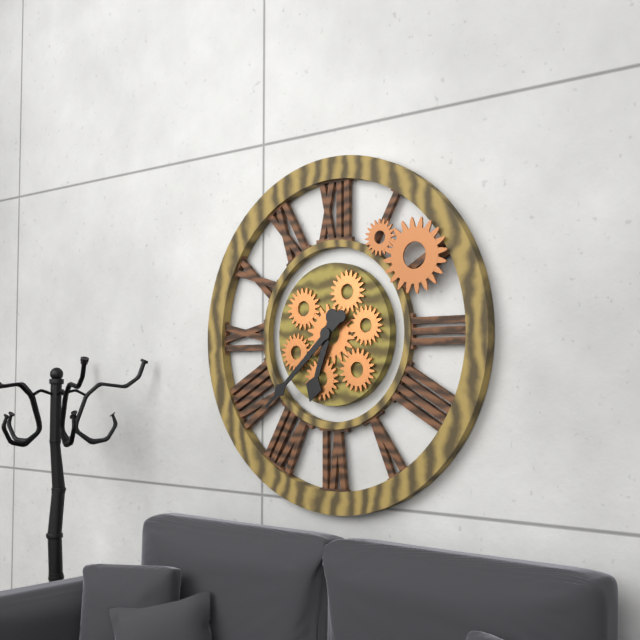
6.38
